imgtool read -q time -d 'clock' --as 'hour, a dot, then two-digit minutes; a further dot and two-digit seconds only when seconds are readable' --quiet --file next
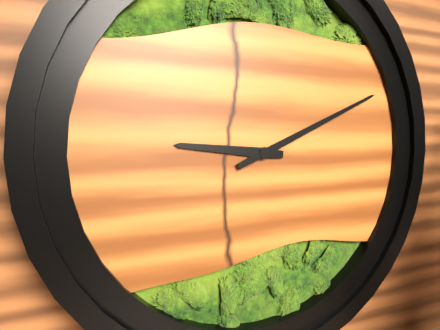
9.11
